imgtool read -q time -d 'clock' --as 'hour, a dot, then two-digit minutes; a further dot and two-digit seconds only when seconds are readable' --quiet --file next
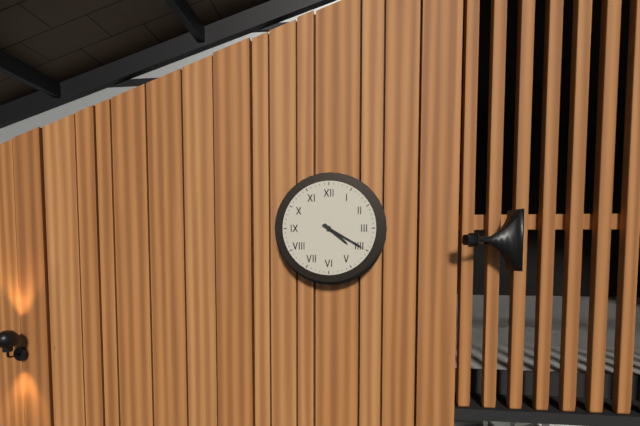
4.20
